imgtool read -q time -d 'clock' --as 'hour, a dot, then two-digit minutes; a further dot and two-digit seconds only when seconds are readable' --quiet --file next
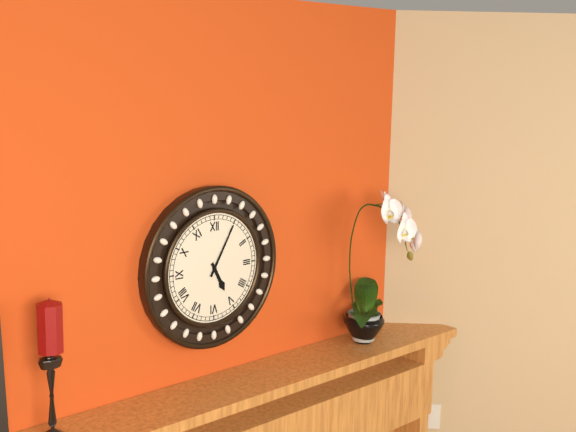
5.05
